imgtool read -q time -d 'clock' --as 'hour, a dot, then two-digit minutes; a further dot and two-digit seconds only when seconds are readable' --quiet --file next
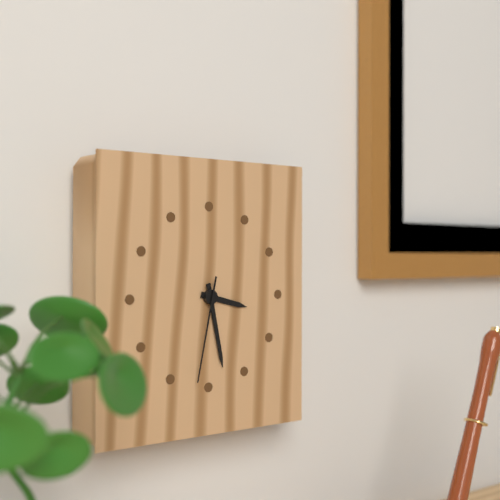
3.28.32
